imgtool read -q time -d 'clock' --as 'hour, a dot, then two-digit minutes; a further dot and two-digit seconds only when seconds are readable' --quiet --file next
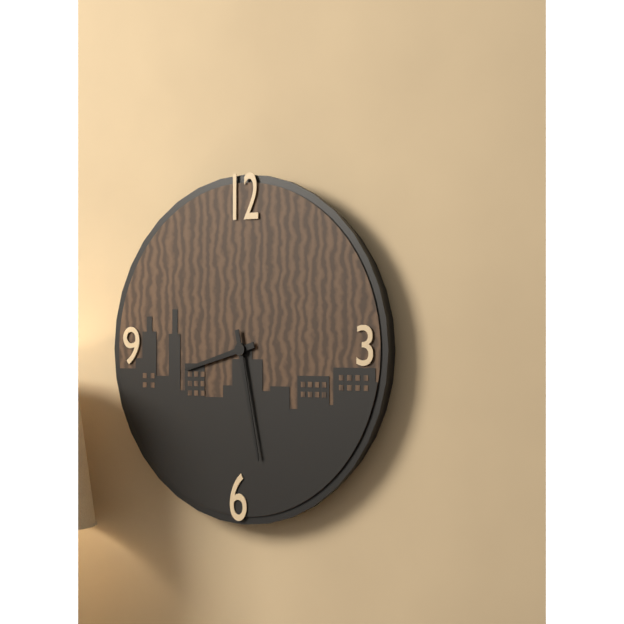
8.28
